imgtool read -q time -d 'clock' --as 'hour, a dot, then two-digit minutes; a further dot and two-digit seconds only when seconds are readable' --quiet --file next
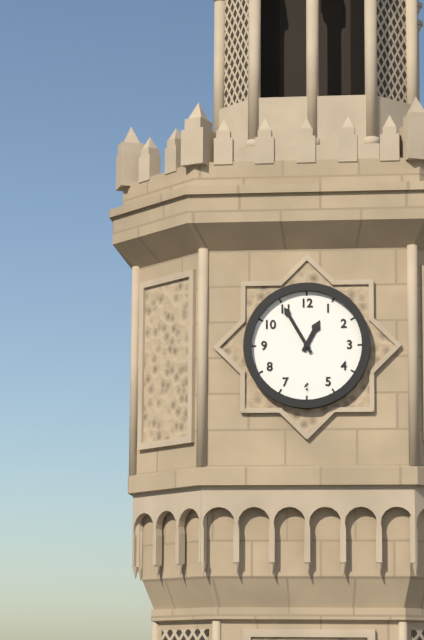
12.55
